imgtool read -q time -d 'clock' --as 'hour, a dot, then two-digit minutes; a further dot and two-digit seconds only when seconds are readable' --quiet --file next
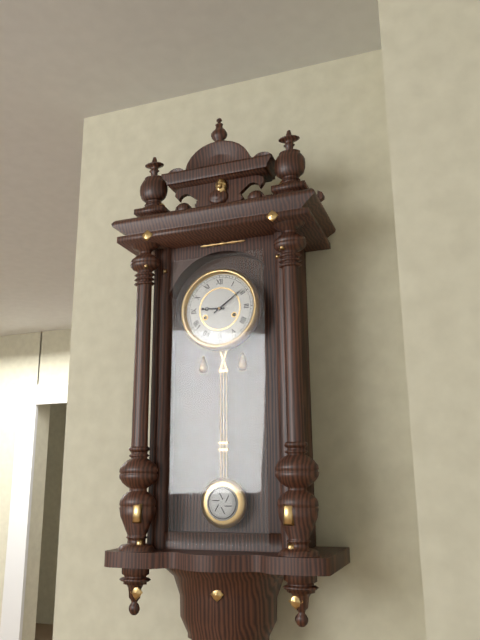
9.09
